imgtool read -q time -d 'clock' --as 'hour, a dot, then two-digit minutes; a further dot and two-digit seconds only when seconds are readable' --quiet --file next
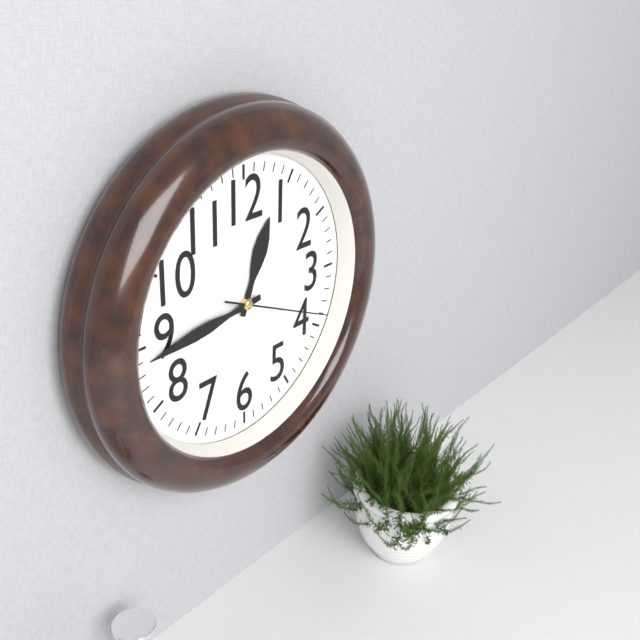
12.44.19
